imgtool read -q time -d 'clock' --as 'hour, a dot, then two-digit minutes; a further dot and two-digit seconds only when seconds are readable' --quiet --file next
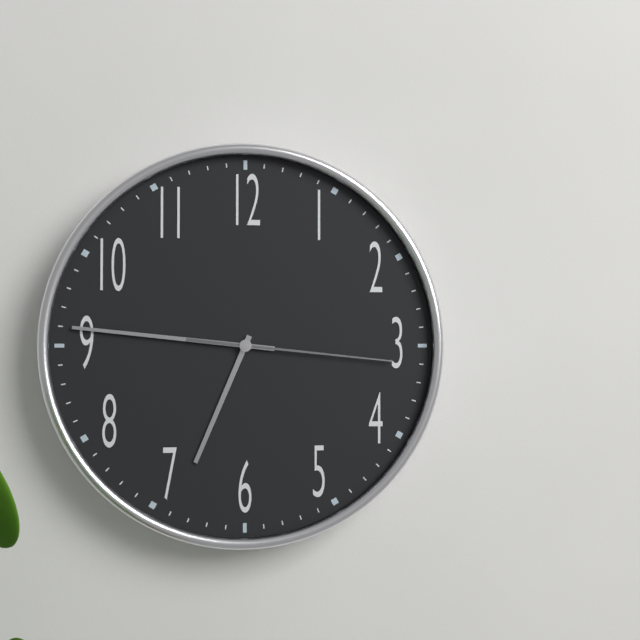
6.46.16
